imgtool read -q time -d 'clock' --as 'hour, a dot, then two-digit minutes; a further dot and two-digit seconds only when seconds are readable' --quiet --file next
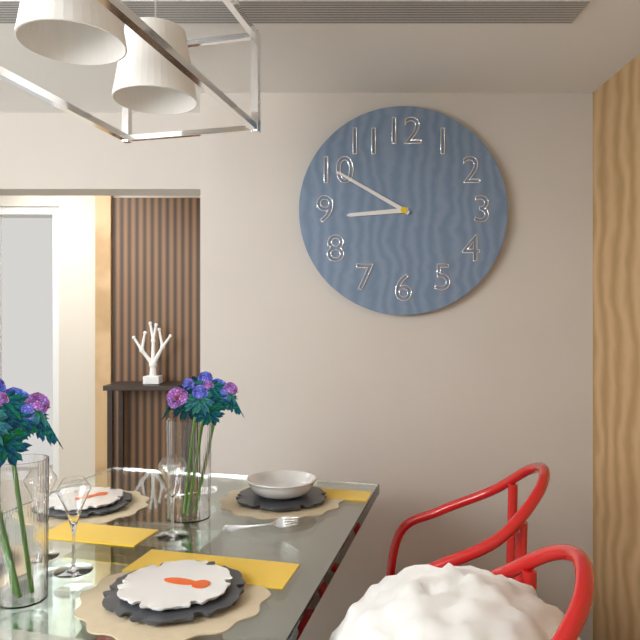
8.50
